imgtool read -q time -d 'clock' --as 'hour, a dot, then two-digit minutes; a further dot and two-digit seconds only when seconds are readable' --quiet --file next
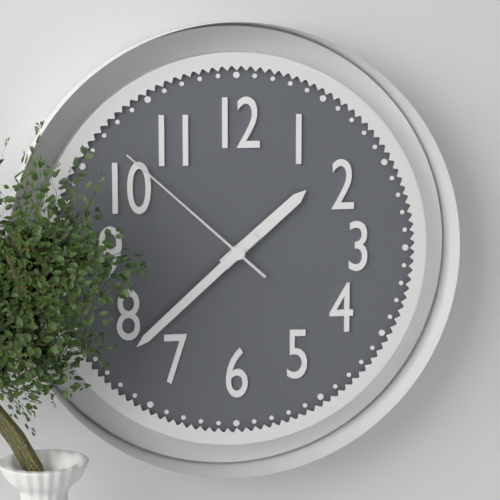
1.38.52
